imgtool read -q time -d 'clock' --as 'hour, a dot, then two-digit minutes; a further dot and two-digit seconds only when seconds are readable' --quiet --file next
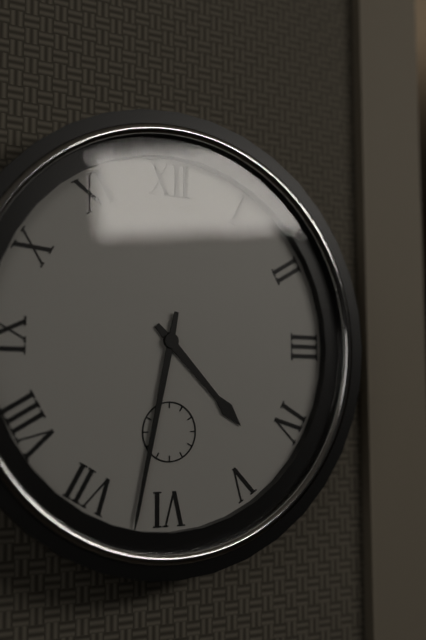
4.32
